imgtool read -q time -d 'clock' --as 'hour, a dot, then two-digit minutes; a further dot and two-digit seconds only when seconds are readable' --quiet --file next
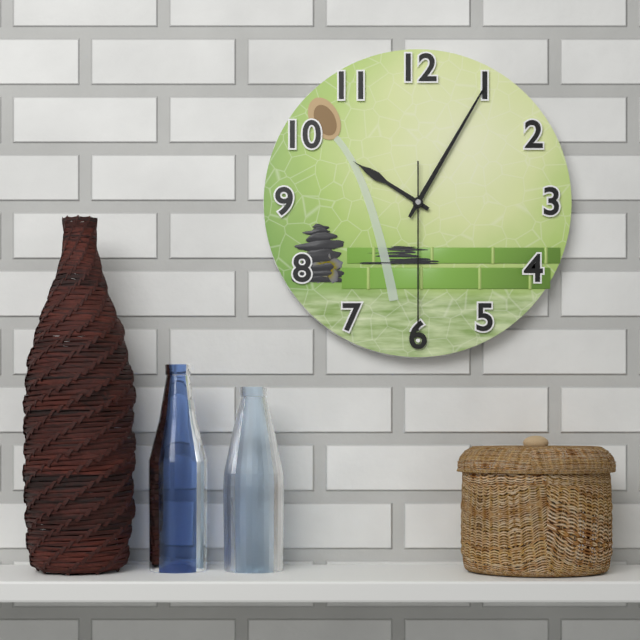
10.05.30
